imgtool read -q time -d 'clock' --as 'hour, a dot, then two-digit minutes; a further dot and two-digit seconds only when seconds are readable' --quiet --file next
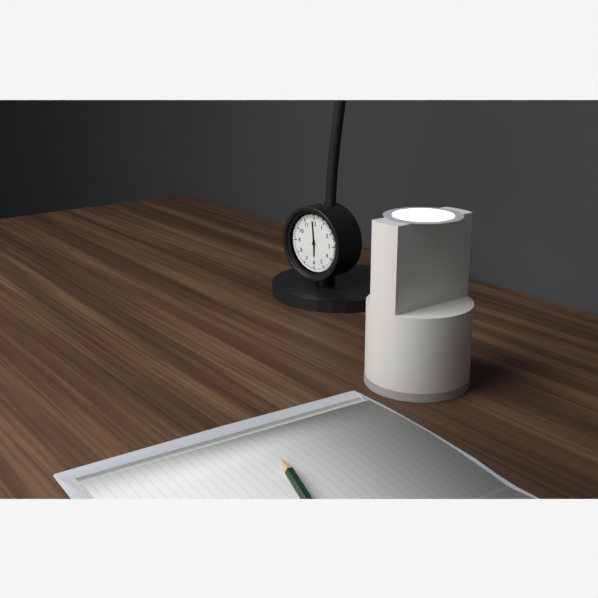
5.59
